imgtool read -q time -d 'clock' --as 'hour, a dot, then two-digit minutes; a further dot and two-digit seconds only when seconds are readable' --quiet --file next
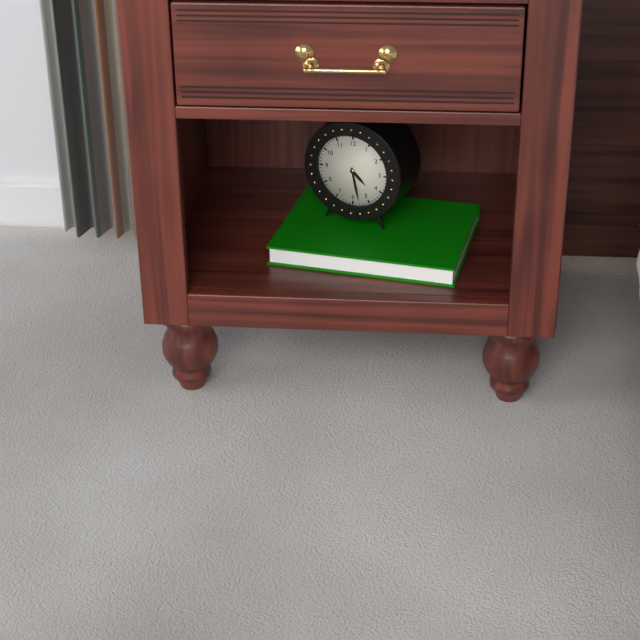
4.28
